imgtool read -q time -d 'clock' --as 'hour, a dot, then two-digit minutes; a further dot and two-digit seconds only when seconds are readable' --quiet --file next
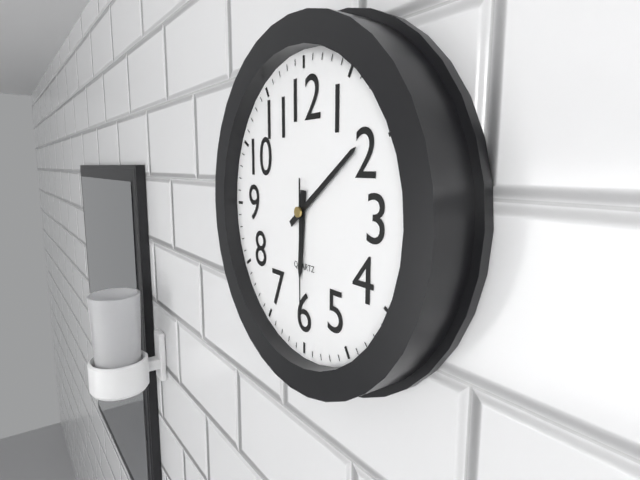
6.09.30
